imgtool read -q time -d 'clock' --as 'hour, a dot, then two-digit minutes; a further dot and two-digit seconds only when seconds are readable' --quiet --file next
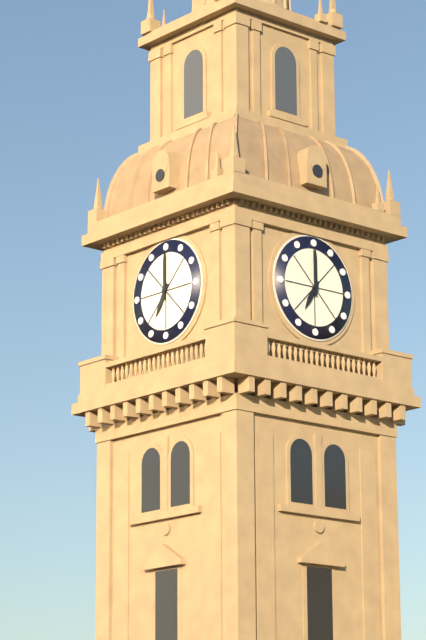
7.00
